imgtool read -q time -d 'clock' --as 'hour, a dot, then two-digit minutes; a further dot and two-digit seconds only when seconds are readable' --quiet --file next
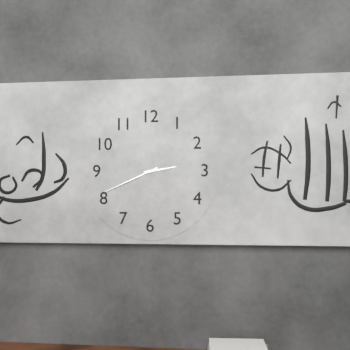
2.41
